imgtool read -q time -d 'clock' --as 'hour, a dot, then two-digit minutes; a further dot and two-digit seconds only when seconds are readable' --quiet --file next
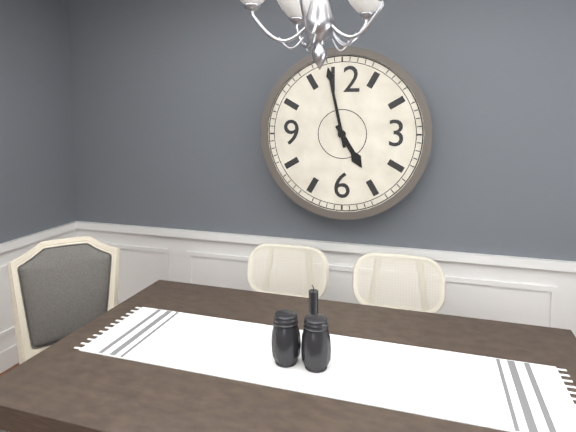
4.58
